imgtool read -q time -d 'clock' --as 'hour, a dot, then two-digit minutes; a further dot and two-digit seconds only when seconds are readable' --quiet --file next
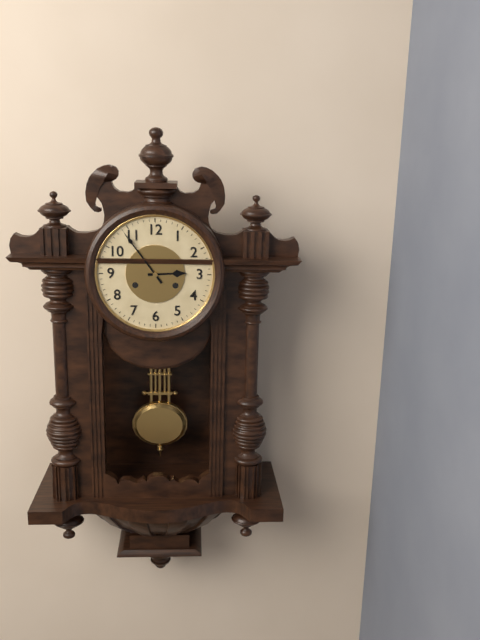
2.54
